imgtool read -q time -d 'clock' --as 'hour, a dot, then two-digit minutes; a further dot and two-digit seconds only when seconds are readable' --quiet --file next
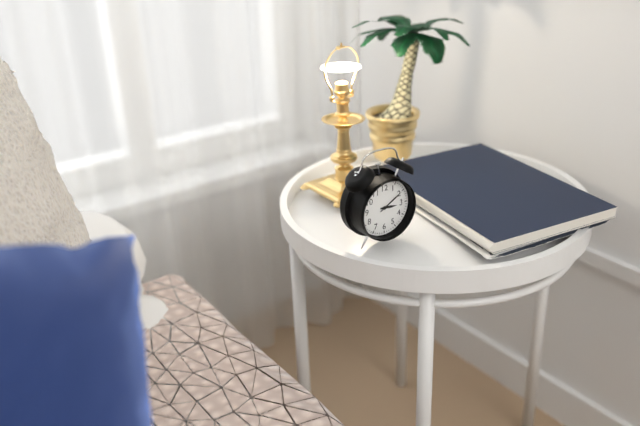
3.10
